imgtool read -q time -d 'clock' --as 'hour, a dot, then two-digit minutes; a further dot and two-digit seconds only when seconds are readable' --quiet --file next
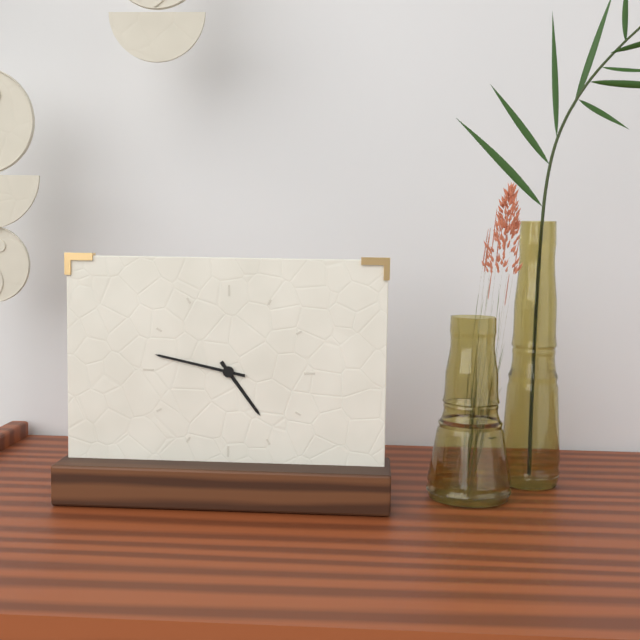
4.47
